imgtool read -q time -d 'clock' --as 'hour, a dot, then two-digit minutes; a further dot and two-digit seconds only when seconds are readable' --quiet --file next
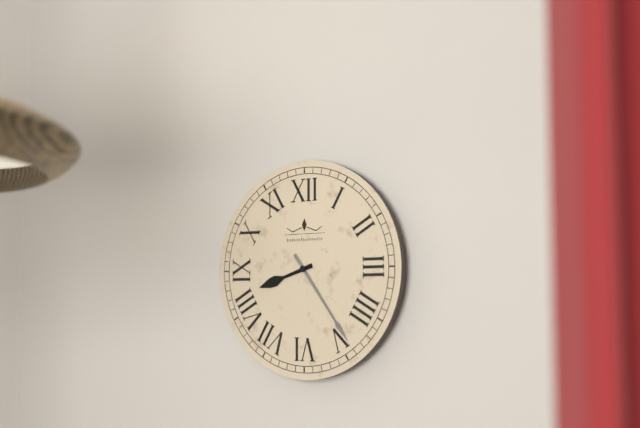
8.24
